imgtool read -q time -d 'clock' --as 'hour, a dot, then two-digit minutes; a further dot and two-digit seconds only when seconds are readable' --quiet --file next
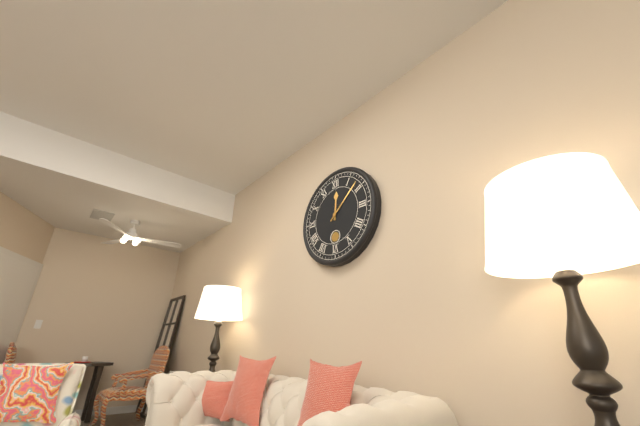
12.08
